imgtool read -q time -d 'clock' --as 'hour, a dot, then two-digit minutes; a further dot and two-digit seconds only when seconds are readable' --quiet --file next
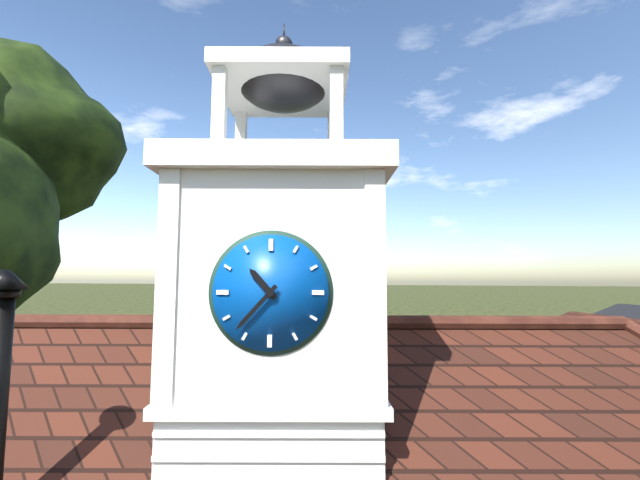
10.37
